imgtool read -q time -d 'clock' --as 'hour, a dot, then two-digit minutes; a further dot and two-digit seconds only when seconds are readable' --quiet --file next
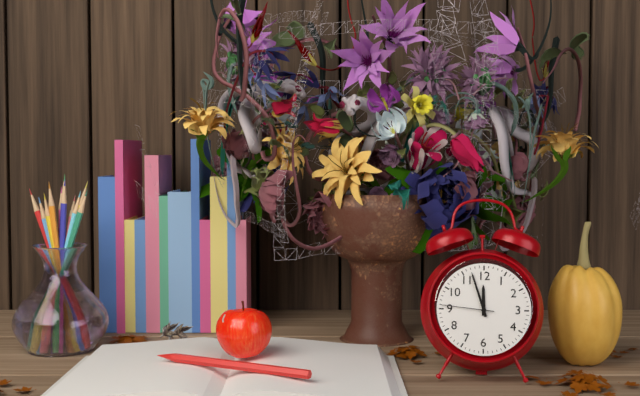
11.57.46
